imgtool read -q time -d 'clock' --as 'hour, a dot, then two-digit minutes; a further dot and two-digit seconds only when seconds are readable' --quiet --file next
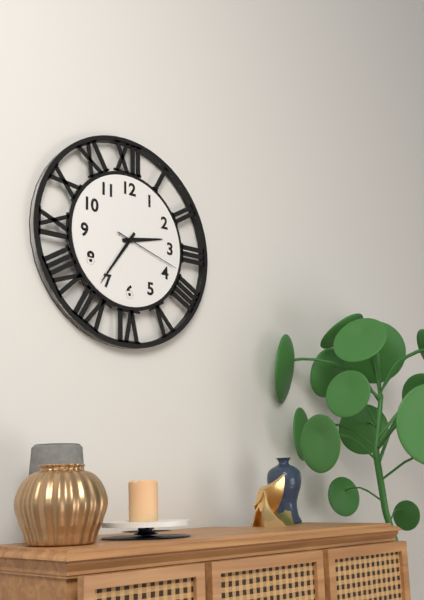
2.36.18
